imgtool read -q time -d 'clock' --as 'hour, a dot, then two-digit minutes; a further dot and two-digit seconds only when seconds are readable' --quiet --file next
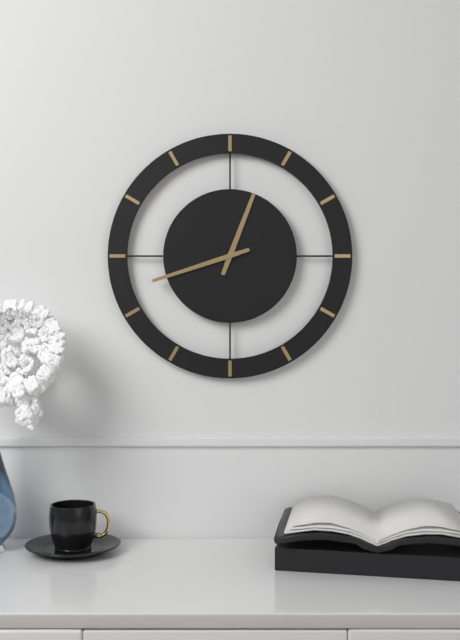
12.42
